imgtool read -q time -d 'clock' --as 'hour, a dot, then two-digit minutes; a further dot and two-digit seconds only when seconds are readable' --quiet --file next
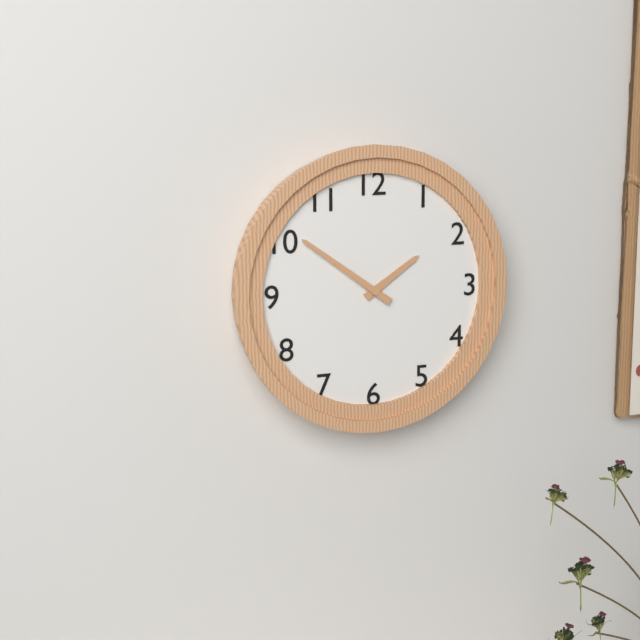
1.51
